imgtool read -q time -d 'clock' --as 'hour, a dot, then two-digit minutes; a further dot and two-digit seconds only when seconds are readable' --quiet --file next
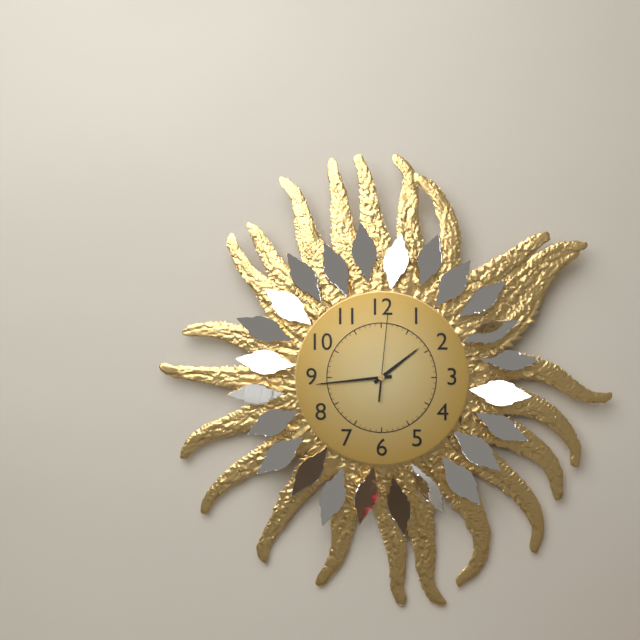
1.44.01
